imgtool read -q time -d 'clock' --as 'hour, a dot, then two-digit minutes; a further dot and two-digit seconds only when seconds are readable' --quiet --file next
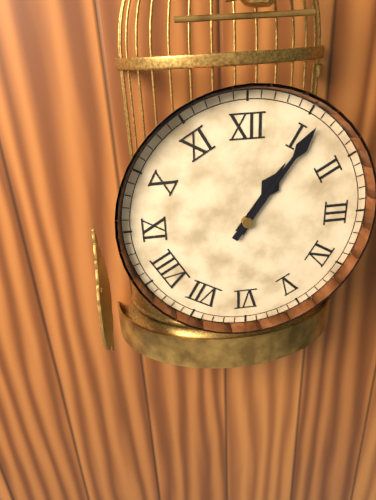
1.06
